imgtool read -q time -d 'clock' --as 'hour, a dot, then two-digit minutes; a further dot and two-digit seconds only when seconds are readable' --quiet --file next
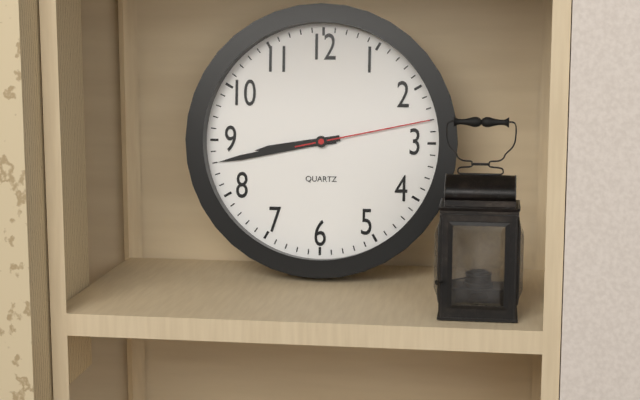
8.43.13
